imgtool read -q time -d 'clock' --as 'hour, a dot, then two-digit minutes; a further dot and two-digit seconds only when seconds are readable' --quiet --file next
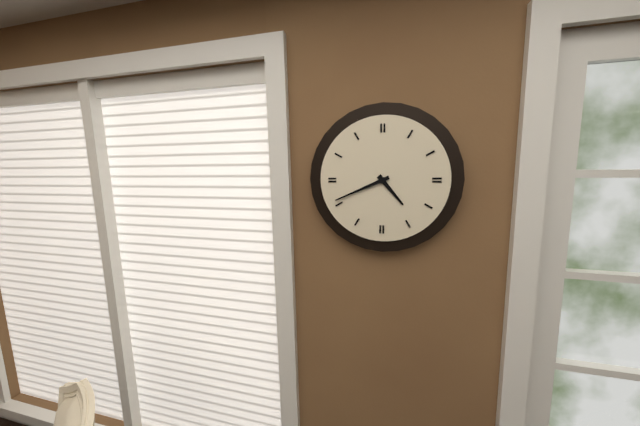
4.41
